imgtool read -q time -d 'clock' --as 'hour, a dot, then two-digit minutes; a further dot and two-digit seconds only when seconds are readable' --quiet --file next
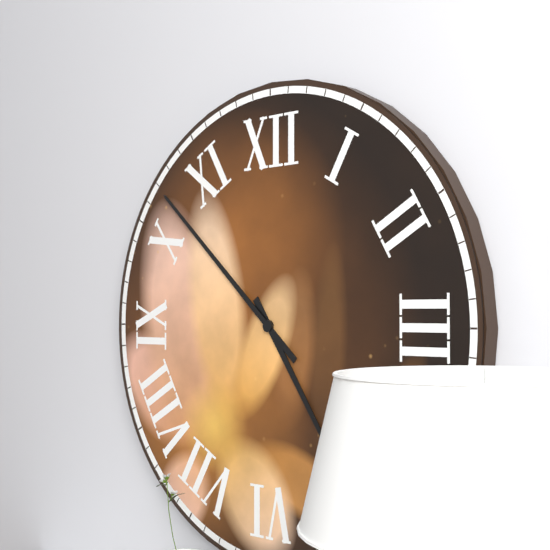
4.52
